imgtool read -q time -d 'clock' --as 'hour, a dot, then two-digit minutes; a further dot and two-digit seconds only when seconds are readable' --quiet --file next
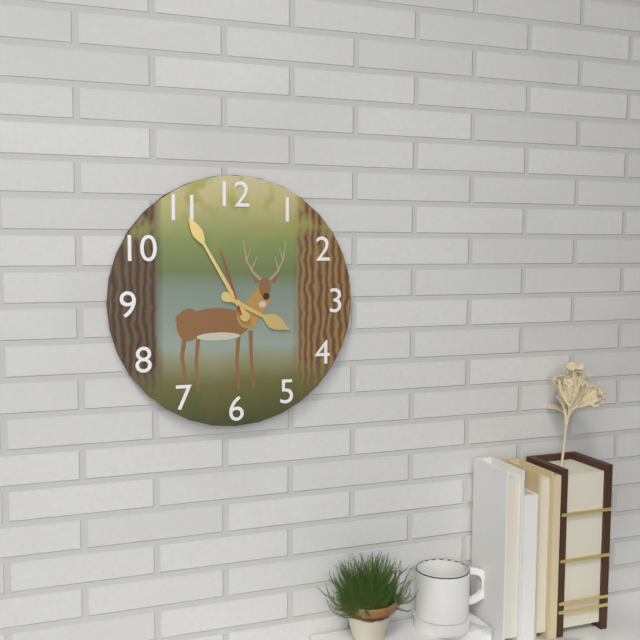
3.55.57
